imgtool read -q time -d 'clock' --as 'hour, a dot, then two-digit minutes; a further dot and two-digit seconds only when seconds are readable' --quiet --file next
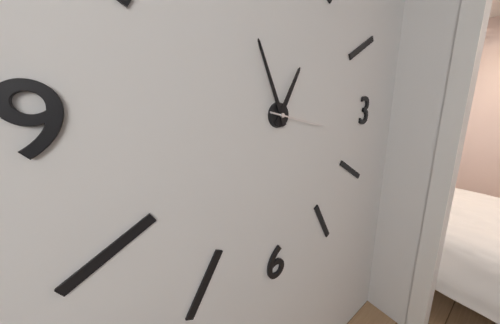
12.56.17
